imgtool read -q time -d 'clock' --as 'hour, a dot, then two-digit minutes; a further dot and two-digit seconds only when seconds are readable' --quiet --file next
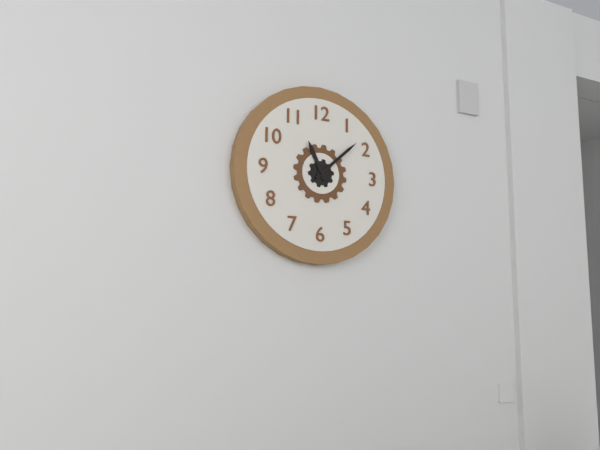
11.08
